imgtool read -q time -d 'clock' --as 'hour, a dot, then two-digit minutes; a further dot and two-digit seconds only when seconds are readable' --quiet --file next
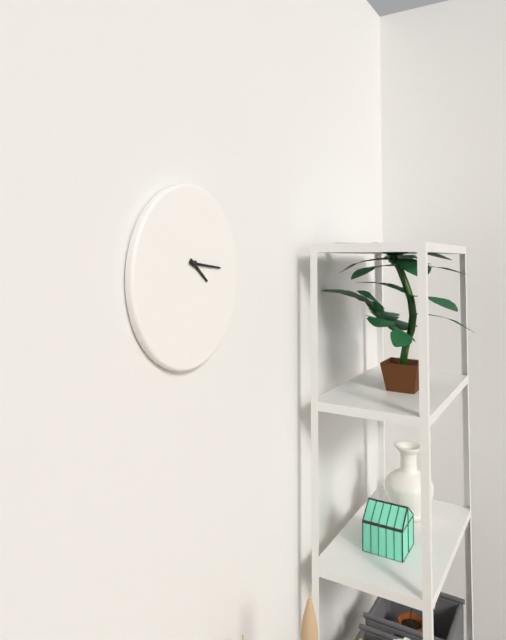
4.16
